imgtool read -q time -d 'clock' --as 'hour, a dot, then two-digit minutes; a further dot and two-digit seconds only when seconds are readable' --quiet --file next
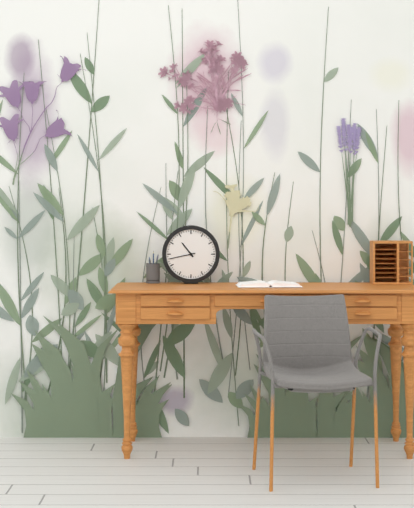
10.43
